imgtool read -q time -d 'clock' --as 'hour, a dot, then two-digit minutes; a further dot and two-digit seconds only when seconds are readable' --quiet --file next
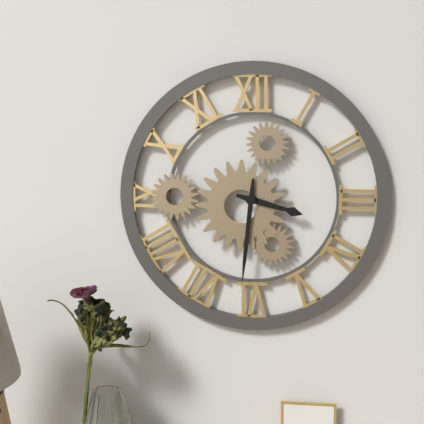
3.31
